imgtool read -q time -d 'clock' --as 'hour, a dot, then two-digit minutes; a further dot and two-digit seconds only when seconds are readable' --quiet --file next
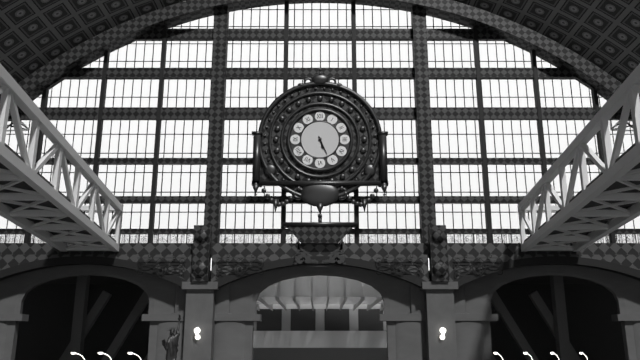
5.26
